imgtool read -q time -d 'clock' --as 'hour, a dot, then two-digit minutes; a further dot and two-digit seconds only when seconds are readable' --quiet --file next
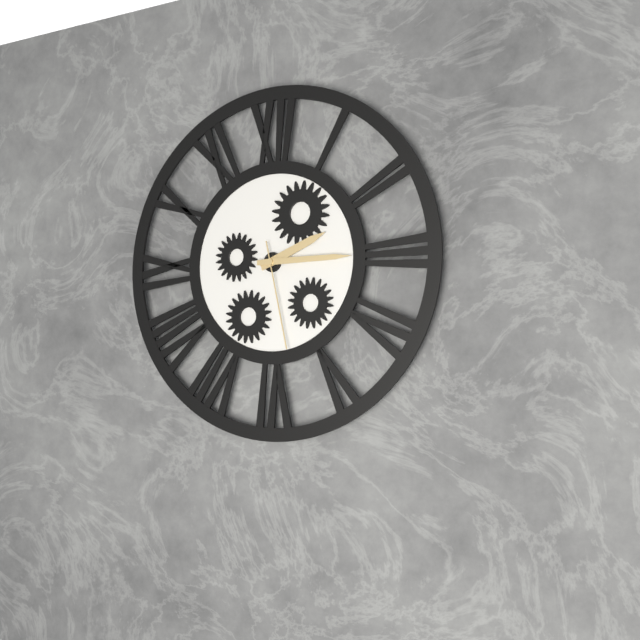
2.15.28
